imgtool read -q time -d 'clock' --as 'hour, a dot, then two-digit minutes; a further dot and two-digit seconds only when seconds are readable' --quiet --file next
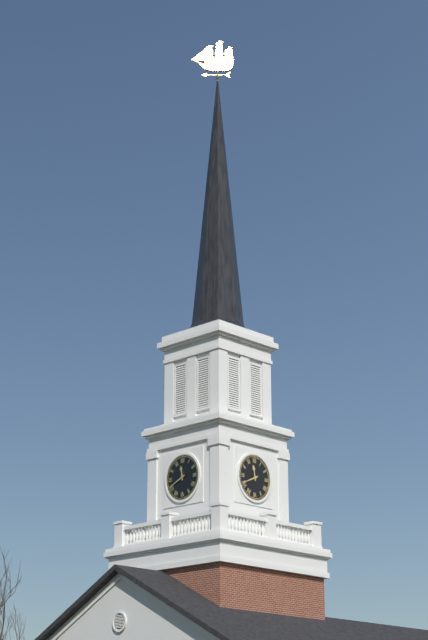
11.41
